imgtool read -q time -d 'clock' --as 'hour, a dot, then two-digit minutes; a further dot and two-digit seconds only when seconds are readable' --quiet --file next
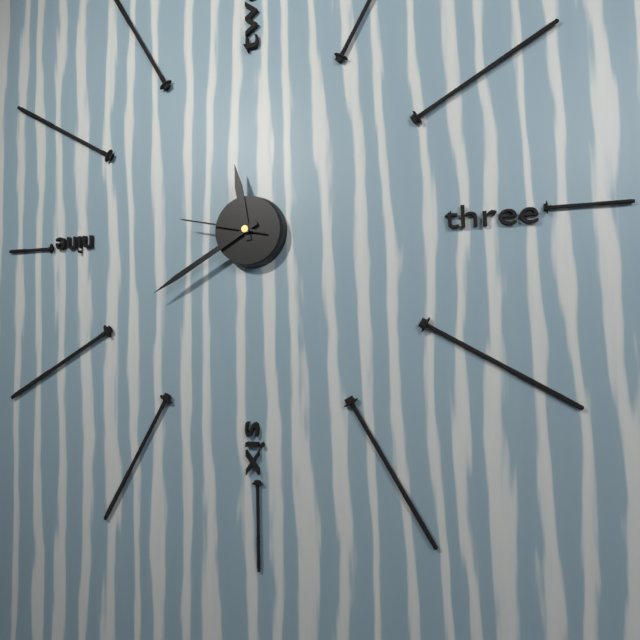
11.40.47
